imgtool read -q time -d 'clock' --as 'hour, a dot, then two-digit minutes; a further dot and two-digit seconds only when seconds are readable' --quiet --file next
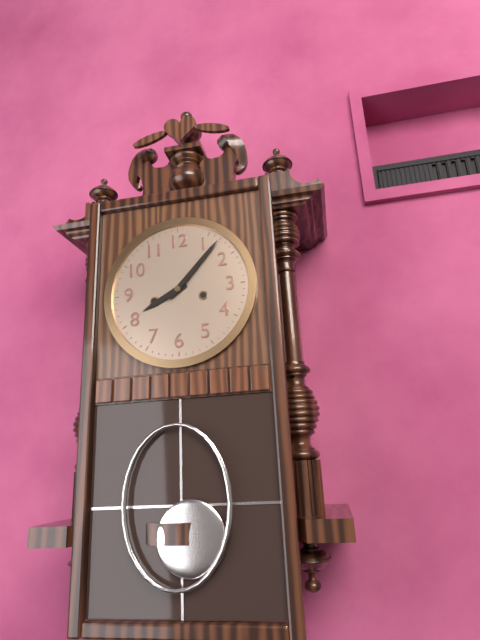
8.07
